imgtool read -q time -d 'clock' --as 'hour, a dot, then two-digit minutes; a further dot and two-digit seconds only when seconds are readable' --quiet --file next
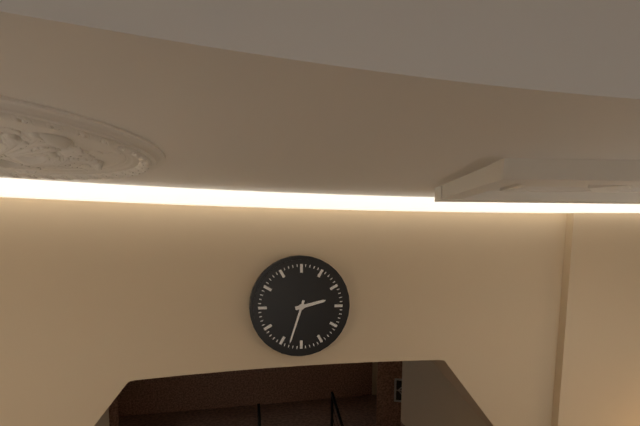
2.33
